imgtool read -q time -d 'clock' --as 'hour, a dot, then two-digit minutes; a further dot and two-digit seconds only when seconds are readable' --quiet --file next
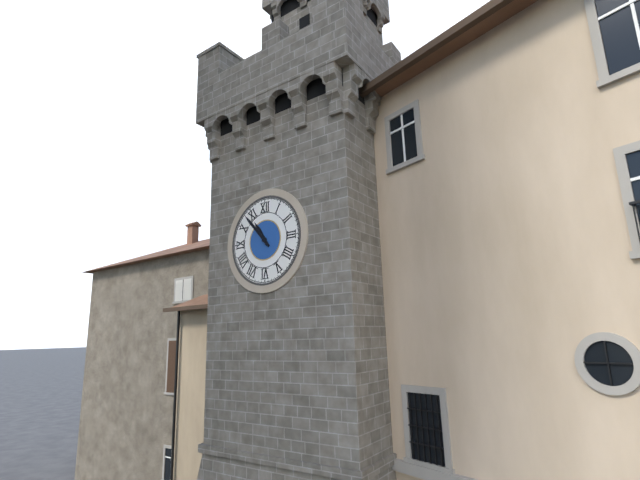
10.53
